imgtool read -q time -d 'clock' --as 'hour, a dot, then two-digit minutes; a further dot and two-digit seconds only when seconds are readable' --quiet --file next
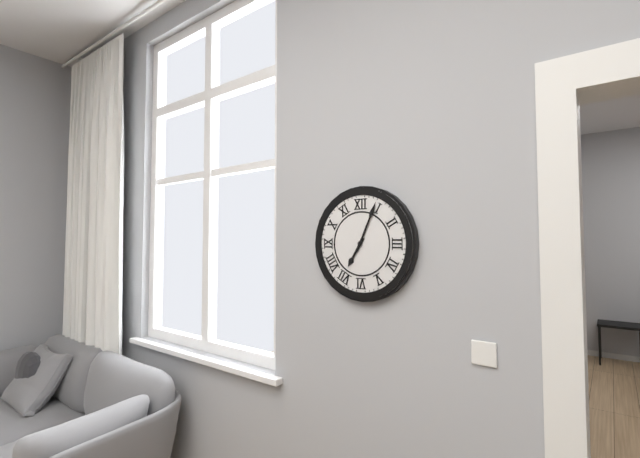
7.04
